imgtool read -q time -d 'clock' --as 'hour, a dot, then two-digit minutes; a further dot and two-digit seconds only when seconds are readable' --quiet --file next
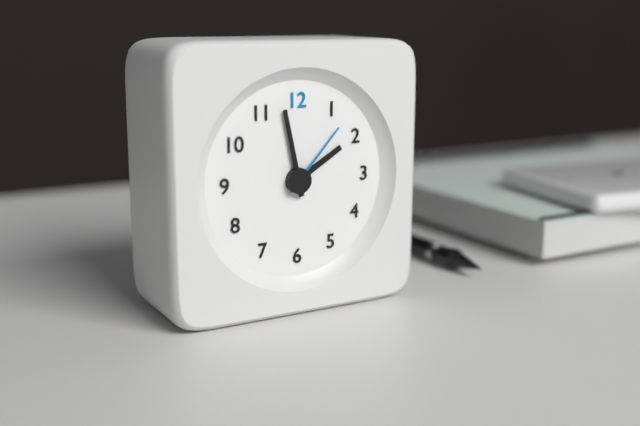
1.58.07
